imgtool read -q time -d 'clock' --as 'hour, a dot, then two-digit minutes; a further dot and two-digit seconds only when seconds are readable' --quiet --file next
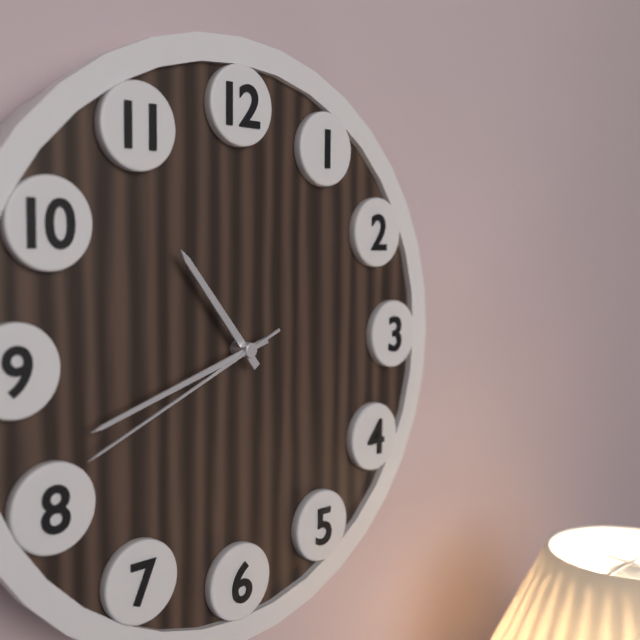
10.42.41
